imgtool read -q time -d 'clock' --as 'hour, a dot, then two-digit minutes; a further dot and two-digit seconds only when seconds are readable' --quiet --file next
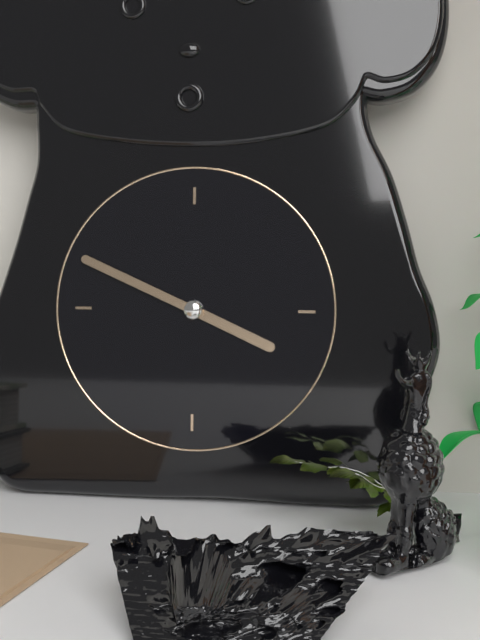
3.49
